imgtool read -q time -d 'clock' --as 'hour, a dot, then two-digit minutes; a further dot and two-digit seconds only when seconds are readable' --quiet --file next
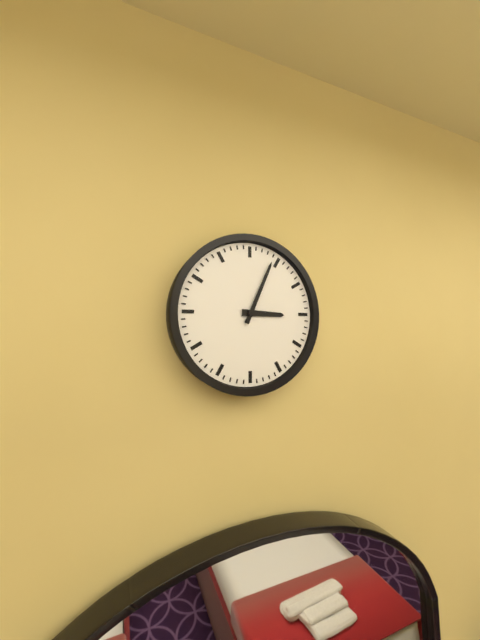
3.04
